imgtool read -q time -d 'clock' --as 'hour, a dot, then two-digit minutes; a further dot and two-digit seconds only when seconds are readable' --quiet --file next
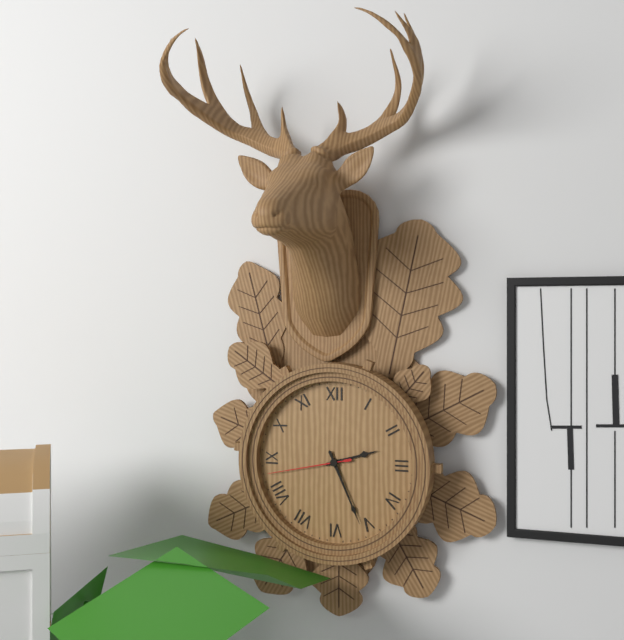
2.26.43
